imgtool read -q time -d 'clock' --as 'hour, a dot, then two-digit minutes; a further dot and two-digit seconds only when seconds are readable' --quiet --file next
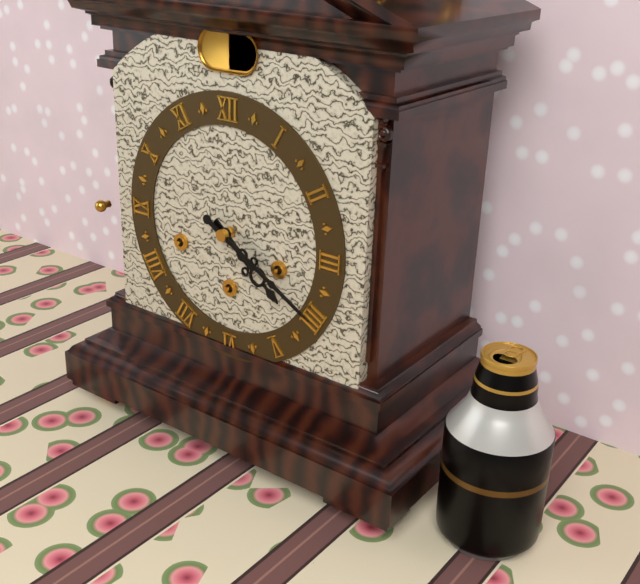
4.20
